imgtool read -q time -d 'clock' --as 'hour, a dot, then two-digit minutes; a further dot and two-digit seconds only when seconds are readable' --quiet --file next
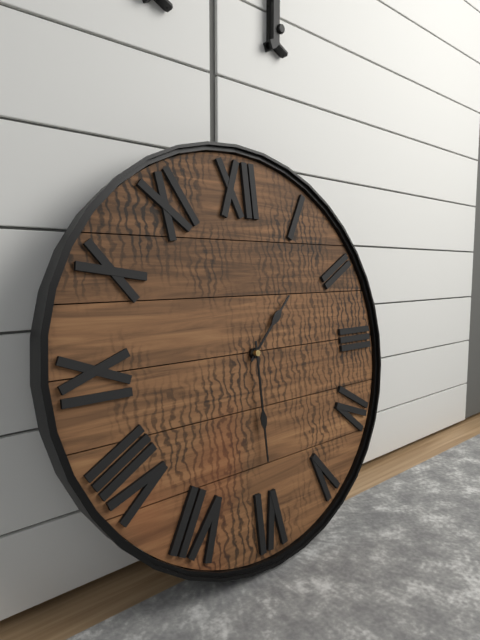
1.30
